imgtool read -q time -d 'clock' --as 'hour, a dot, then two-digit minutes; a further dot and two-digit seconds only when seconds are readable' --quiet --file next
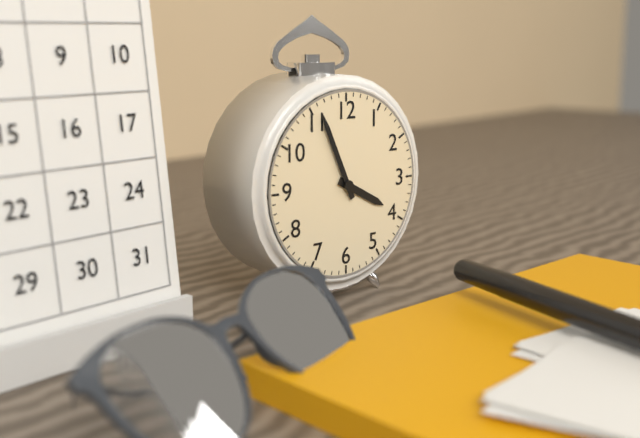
3.56
